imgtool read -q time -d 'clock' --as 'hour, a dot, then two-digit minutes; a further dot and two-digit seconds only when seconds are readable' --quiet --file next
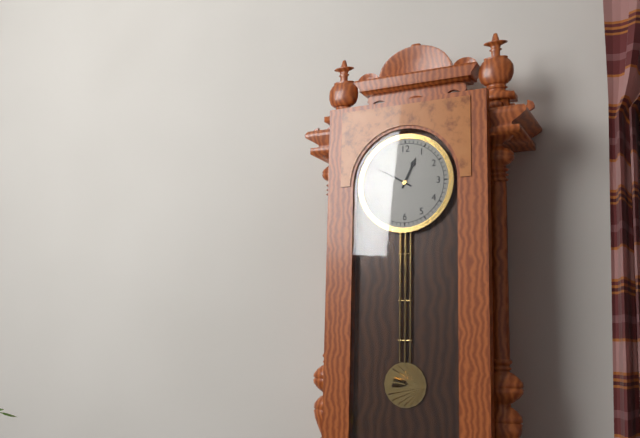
12.50
